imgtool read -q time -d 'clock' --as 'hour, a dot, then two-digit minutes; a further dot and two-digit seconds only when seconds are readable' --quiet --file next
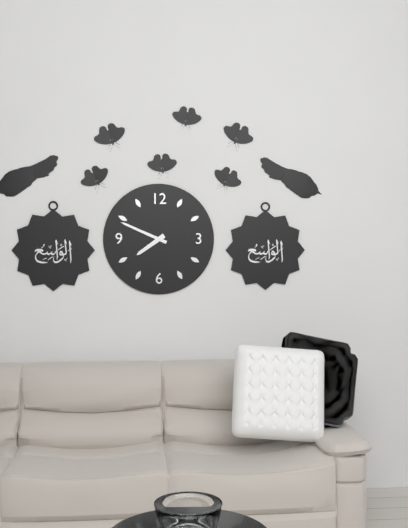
7.49
